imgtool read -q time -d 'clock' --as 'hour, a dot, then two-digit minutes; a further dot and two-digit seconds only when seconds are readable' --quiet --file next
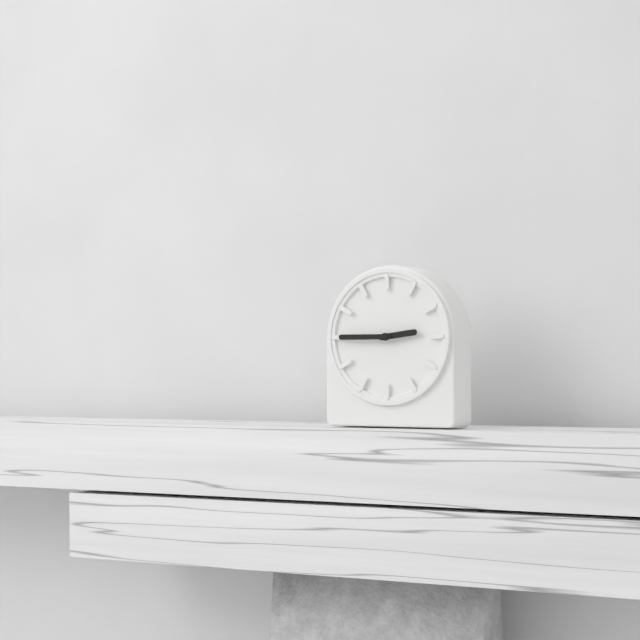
2.45
